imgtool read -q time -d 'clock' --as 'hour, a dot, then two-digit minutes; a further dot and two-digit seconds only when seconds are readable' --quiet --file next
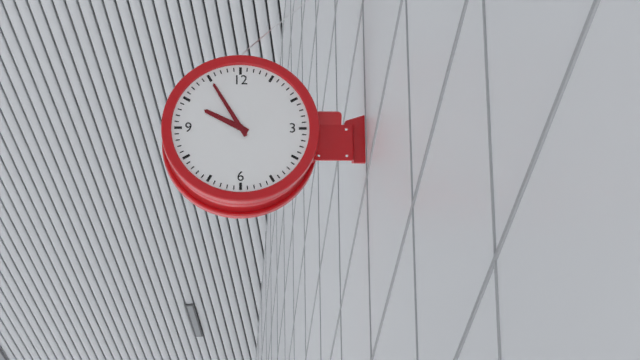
9.55
